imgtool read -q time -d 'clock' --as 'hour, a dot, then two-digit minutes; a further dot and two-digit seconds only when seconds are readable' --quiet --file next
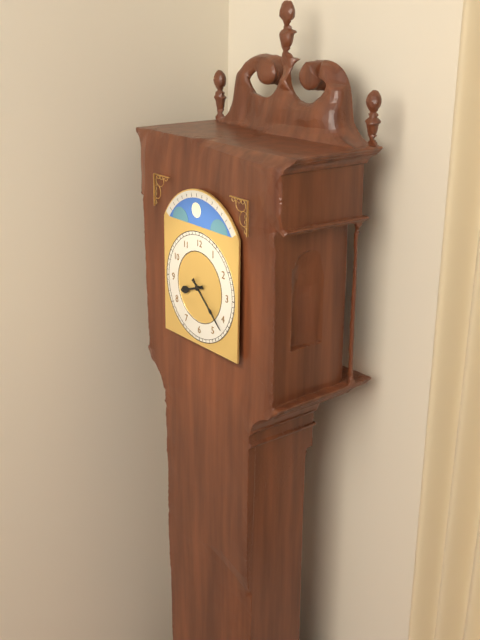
8.22
